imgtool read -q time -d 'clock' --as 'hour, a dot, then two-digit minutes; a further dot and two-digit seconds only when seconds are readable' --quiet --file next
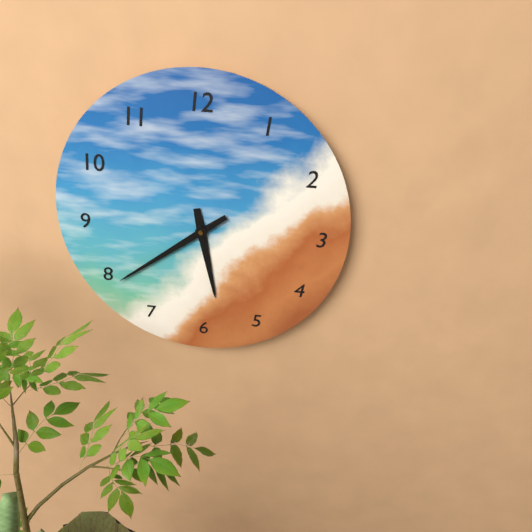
5.39
